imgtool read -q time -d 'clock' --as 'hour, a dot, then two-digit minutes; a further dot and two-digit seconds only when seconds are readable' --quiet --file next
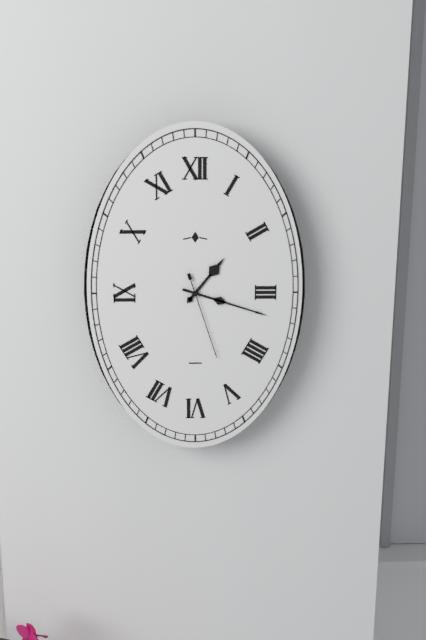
1.18.27
